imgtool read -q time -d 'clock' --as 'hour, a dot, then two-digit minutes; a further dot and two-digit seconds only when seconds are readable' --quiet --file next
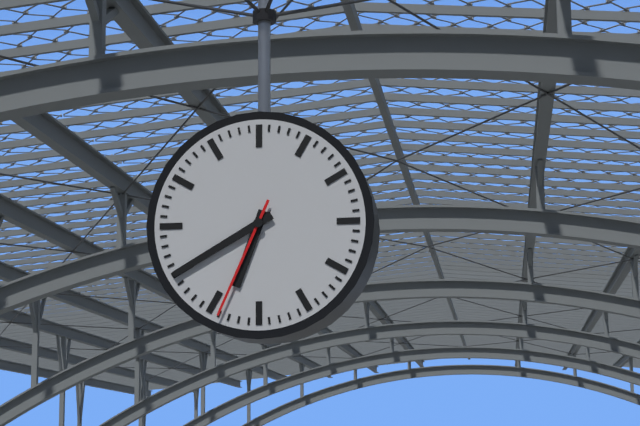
6.40.34
